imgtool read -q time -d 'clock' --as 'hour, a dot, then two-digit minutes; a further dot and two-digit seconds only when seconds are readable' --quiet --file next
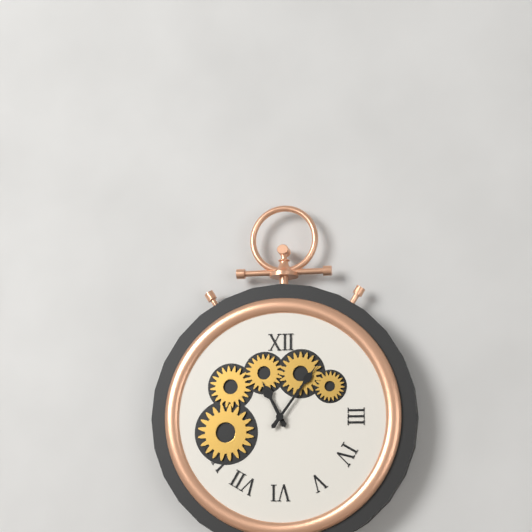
11.06
